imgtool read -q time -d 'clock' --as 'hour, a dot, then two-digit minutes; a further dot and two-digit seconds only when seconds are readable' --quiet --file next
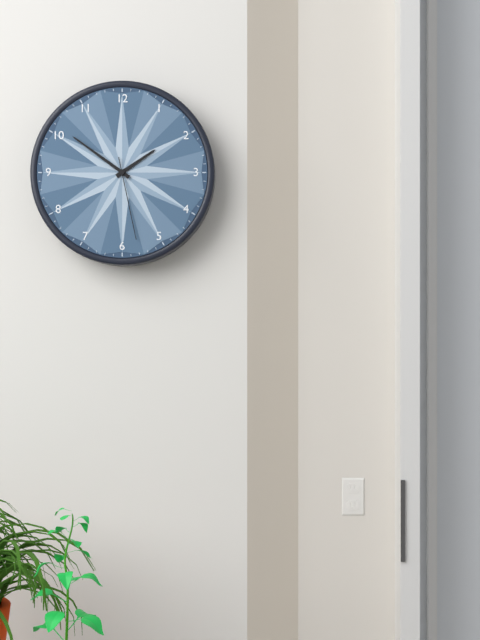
1.51.28
